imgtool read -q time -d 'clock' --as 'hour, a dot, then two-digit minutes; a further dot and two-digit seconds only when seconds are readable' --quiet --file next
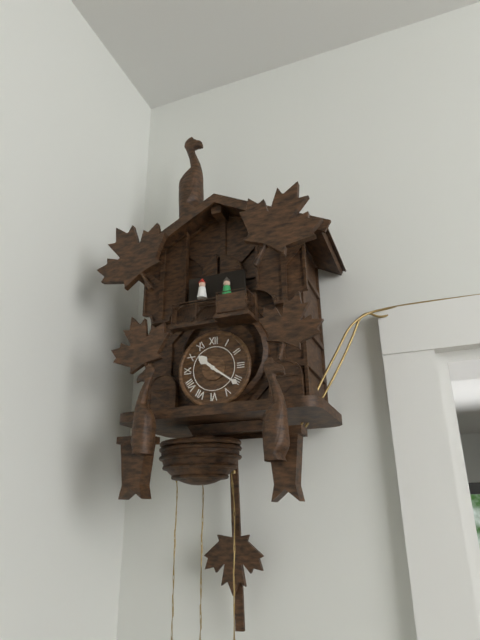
10.21
